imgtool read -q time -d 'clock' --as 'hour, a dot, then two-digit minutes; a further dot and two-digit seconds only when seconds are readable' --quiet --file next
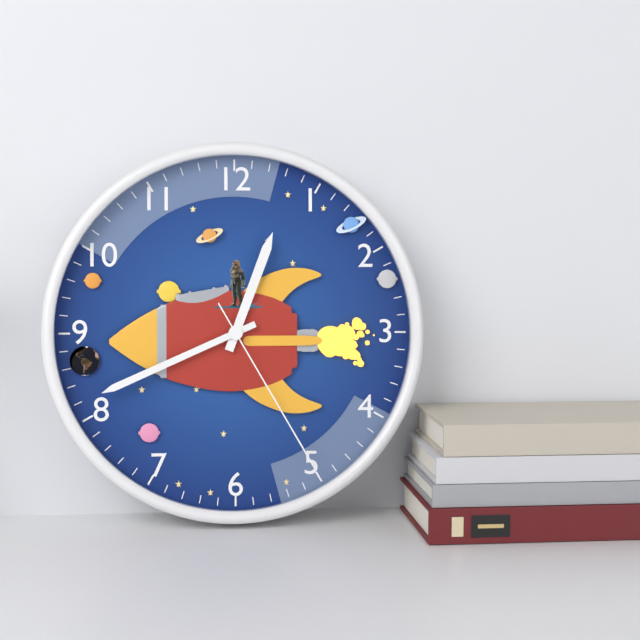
12.41.25
